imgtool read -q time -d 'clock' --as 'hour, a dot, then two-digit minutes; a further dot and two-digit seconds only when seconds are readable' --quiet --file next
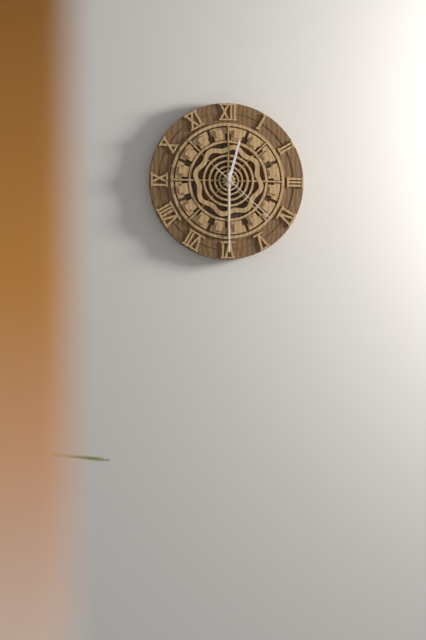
12.30.22
